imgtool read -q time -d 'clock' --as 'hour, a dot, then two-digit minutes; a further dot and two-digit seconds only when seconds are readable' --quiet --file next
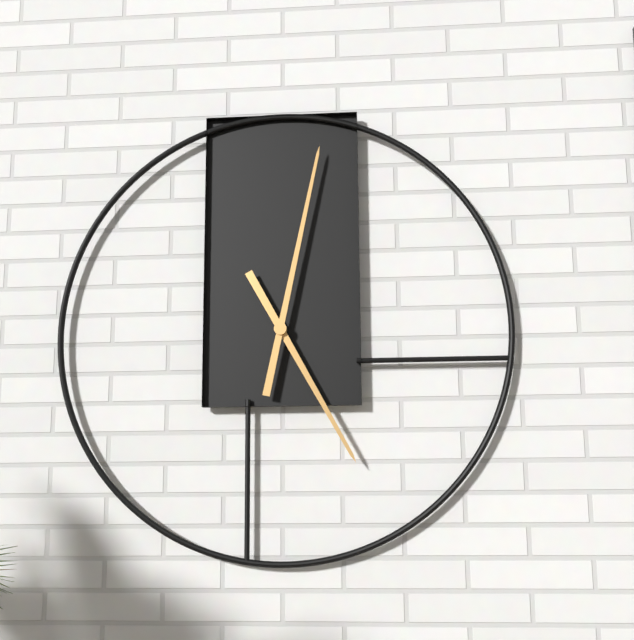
5.02
